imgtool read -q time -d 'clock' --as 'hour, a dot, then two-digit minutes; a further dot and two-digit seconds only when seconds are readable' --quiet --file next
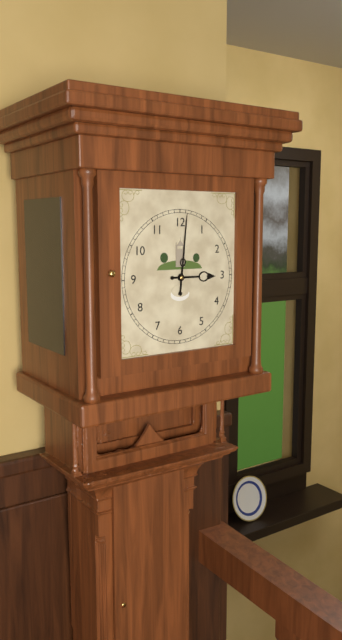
3.01
